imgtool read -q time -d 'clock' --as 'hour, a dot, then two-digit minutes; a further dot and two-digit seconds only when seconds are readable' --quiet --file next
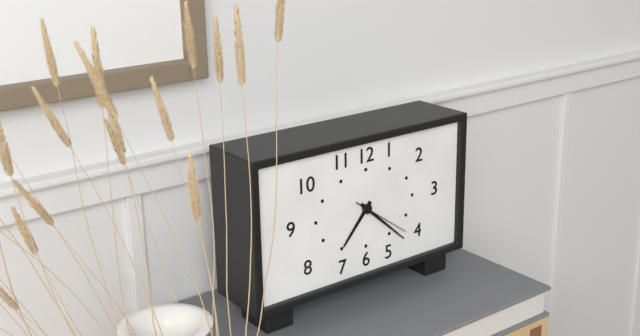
7.22.21
